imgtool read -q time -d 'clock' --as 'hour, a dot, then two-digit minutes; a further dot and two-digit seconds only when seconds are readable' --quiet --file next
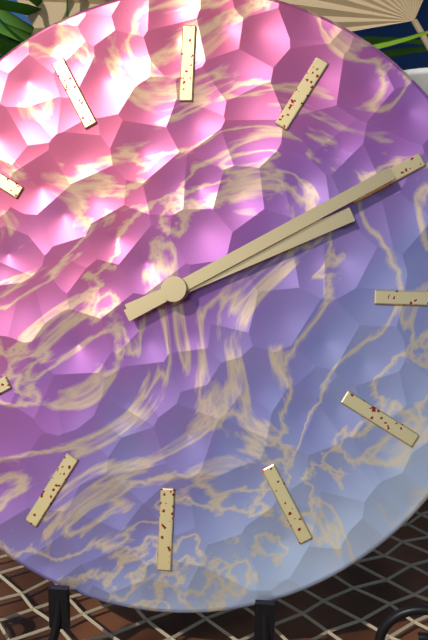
2.10
